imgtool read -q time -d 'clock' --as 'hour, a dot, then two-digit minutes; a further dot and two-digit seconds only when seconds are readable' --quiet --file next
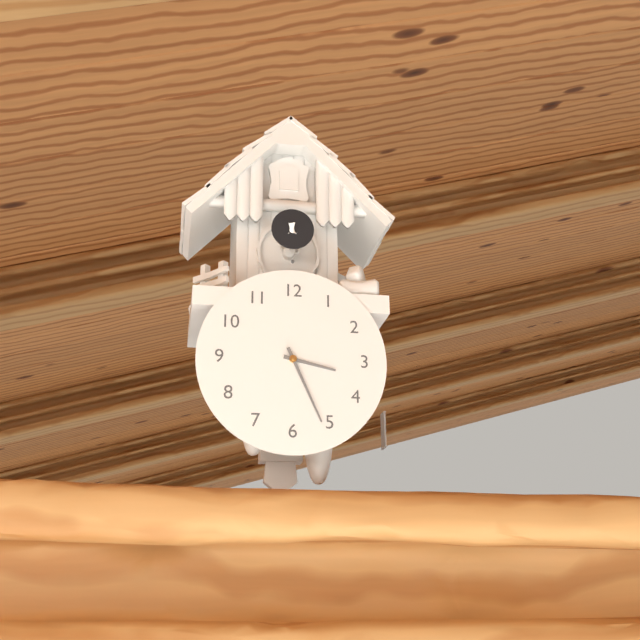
3.26
